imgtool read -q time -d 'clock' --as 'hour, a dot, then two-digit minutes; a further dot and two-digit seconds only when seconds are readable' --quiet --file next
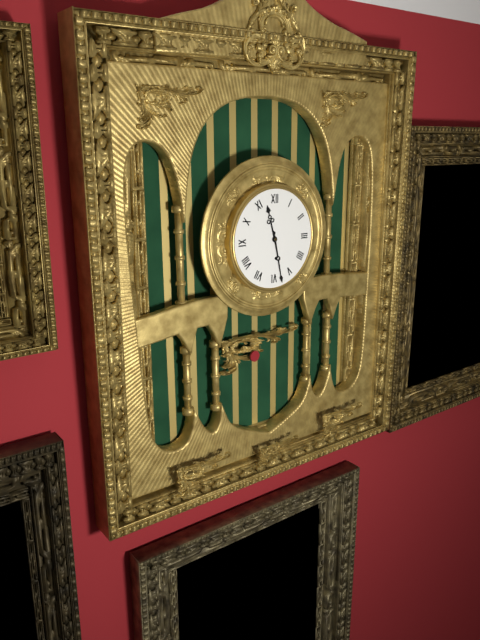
11.28
